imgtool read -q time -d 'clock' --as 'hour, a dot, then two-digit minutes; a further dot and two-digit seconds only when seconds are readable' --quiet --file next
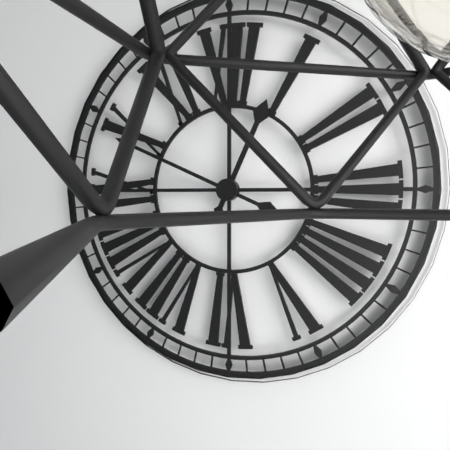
12.49
